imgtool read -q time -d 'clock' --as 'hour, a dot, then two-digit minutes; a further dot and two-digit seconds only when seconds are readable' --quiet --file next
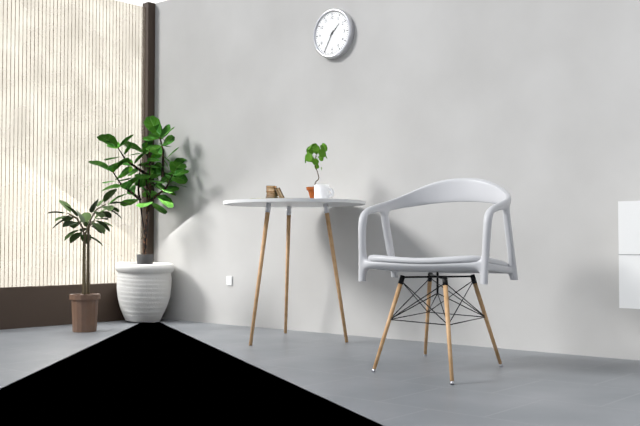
1.35
